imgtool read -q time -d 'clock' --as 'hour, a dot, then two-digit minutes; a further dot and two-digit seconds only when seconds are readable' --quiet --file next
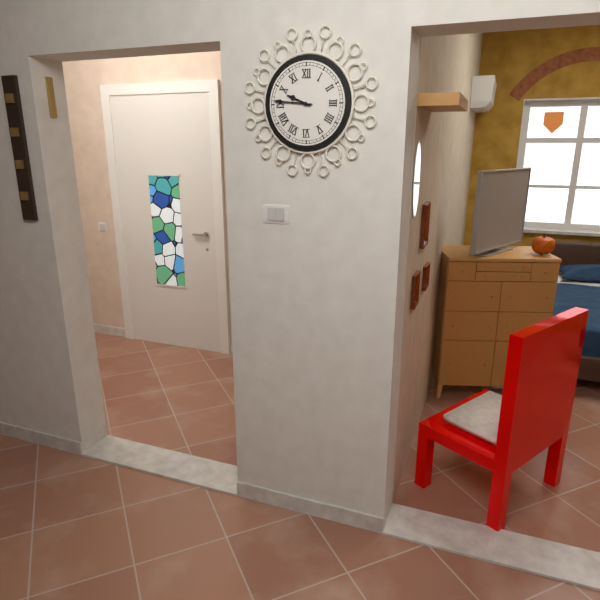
9.46
